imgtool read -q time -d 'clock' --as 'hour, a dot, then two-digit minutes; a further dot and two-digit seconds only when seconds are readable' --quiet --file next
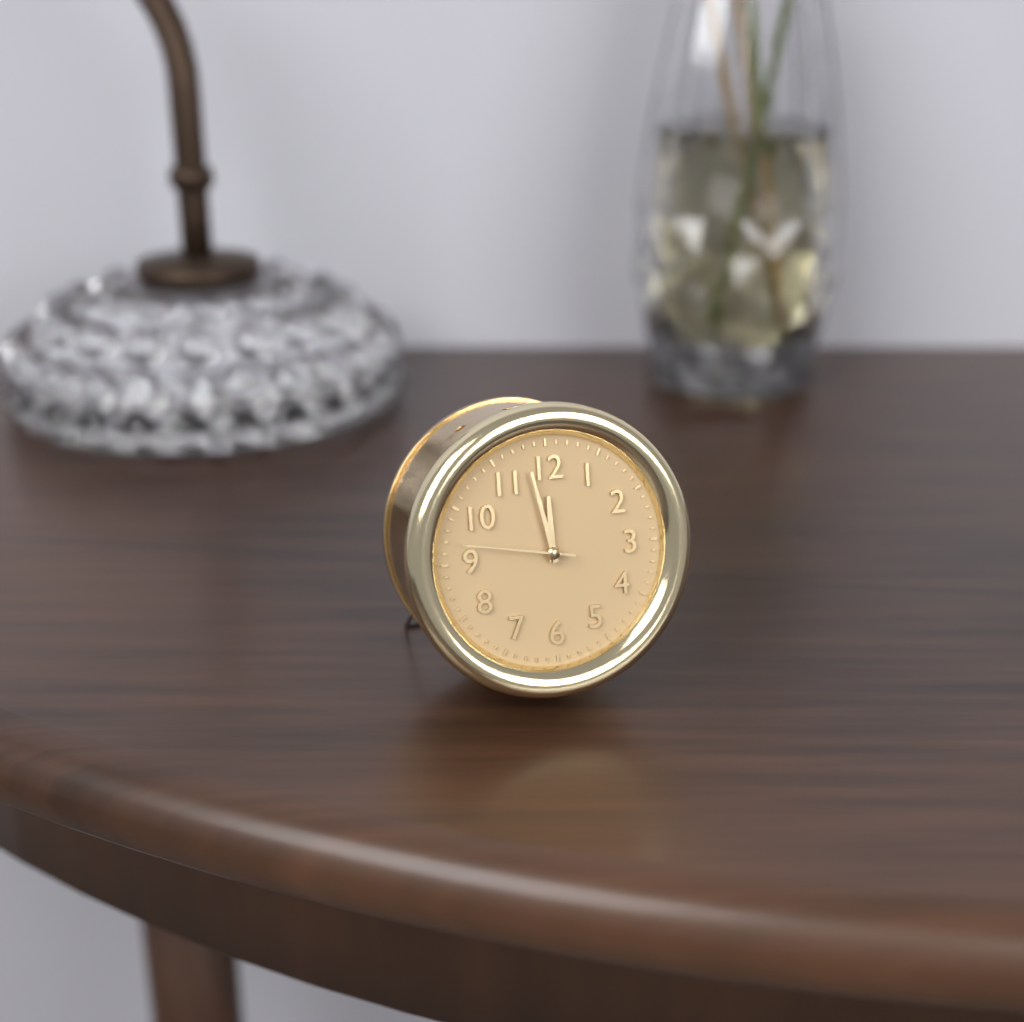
11.58.47
